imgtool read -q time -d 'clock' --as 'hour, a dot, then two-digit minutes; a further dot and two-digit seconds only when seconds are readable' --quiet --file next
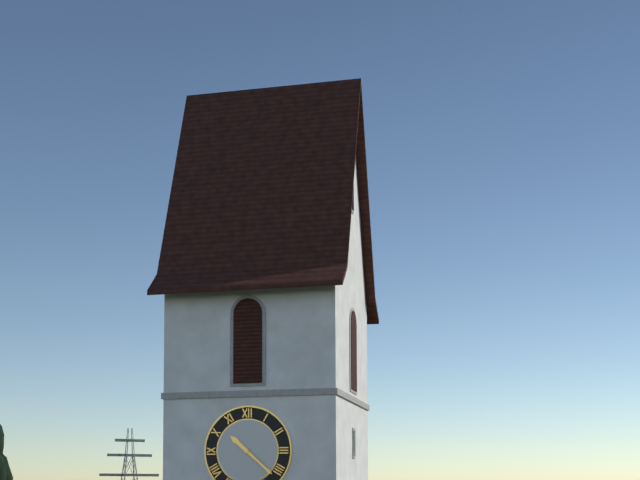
10.22
